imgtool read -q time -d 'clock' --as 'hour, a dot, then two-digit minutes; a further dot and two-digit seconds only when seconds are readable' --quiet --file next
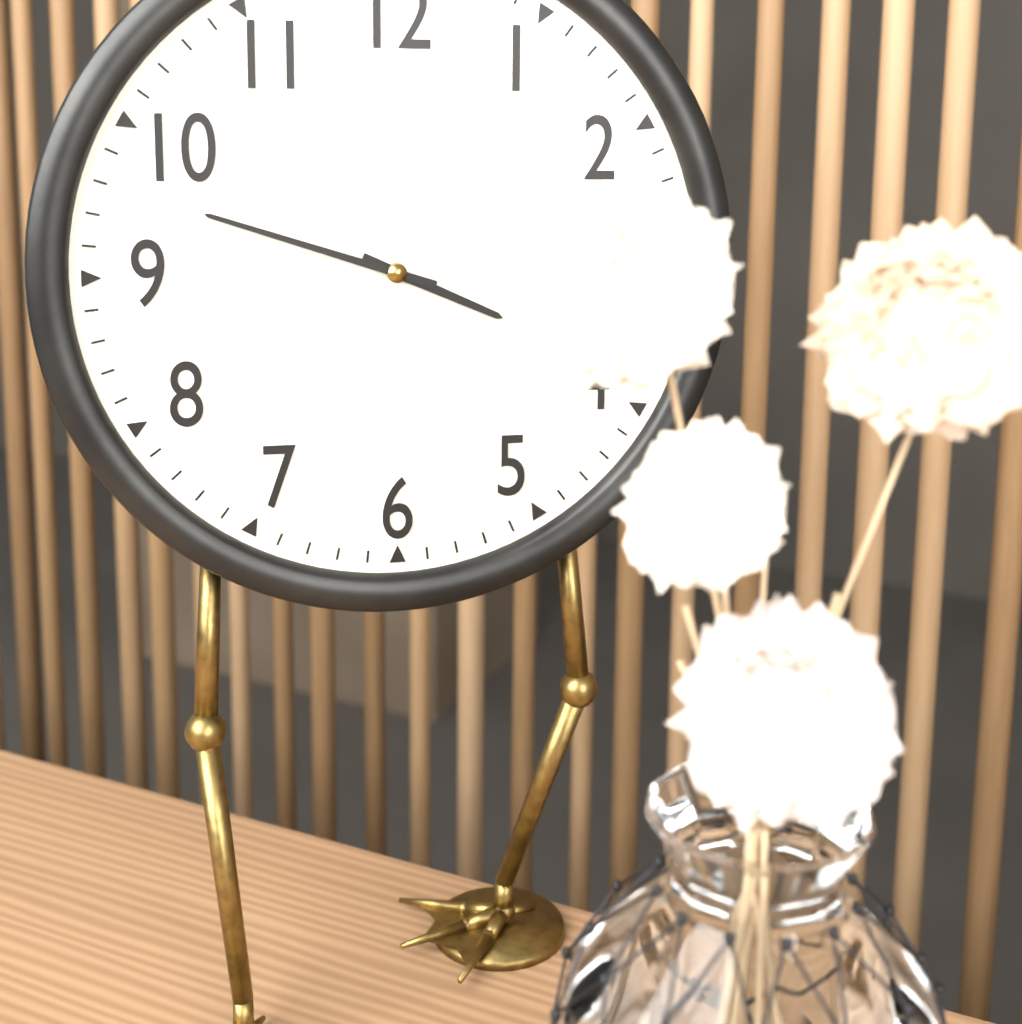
3.48
